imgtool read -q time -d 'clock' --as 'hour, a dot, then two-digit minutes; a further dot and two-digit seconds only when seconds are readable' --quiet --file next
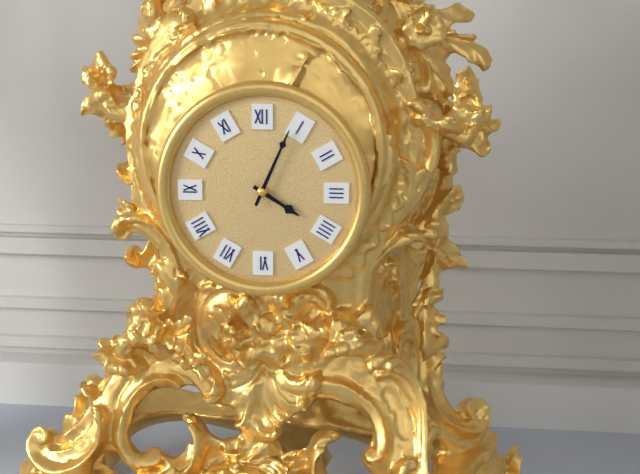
4.04
